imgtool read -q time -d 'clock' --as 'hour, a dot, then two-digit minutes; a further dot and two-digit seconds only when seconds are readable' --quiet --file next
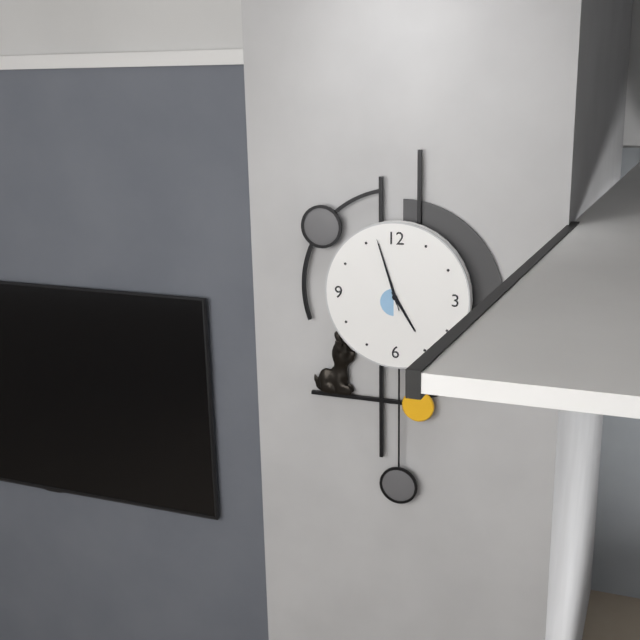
4.57.57
